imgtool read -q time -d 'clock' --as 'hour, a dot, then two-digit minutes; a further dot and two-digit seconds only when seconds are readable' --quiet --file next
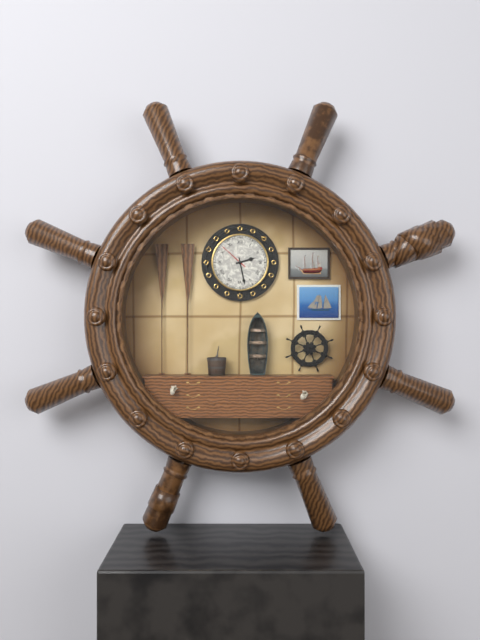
2.28
